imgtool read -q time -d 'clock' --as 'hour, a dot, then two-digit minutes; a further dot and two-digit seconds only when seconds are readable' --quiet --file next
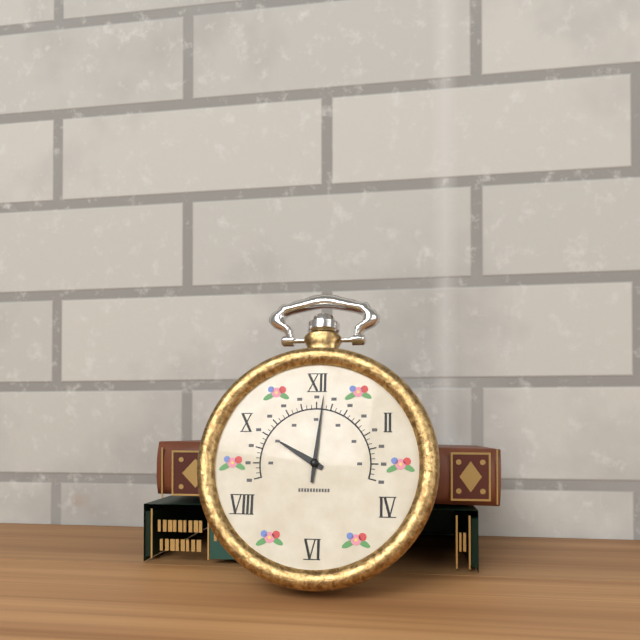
10.01
